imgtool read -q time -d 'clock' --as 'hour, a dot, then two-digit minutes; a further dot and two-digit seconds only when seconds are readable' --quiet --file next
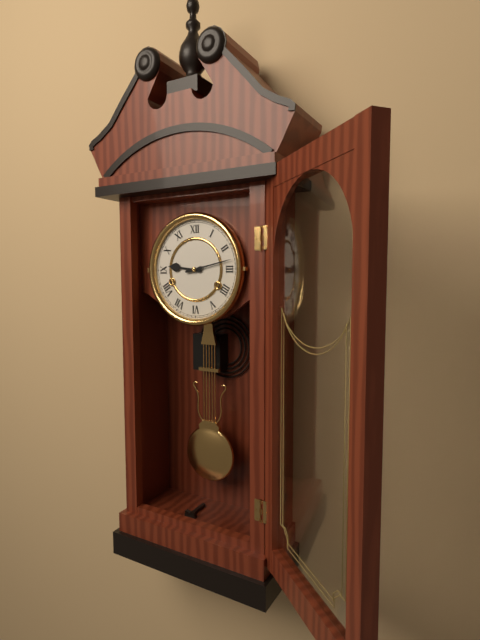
9.13
